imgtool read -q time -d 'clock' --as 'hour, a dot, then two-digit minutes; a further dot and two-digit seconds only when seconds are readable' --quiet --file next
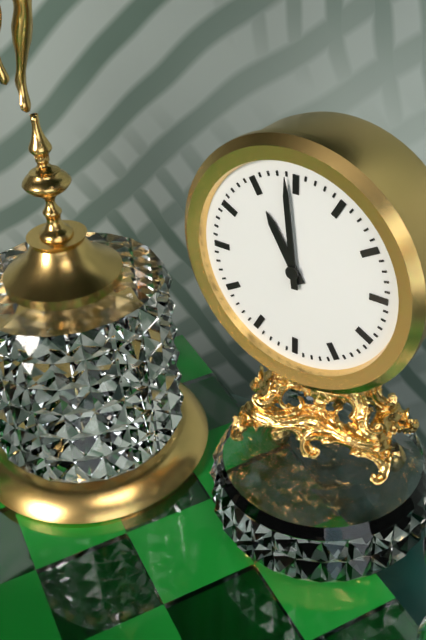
10.59
